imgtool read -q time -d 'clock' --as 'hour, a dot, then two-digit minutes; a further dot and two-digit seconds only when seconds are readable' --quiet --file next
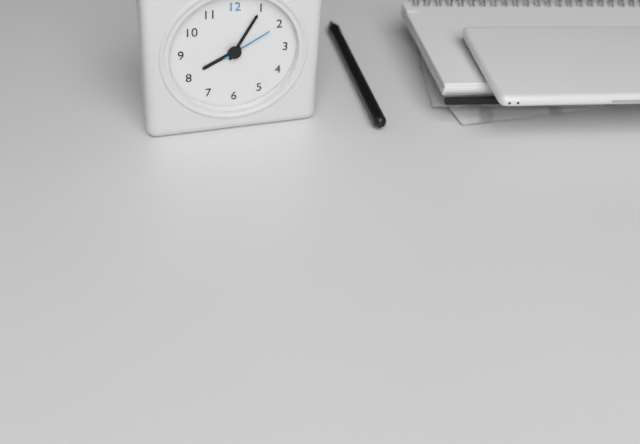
8.05.10
